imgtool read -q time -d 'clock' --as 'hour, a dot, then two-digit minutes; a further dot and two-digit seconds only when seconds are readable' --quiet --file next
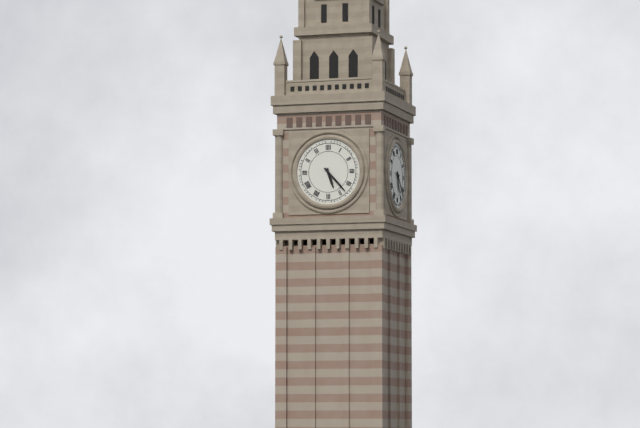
5.23
